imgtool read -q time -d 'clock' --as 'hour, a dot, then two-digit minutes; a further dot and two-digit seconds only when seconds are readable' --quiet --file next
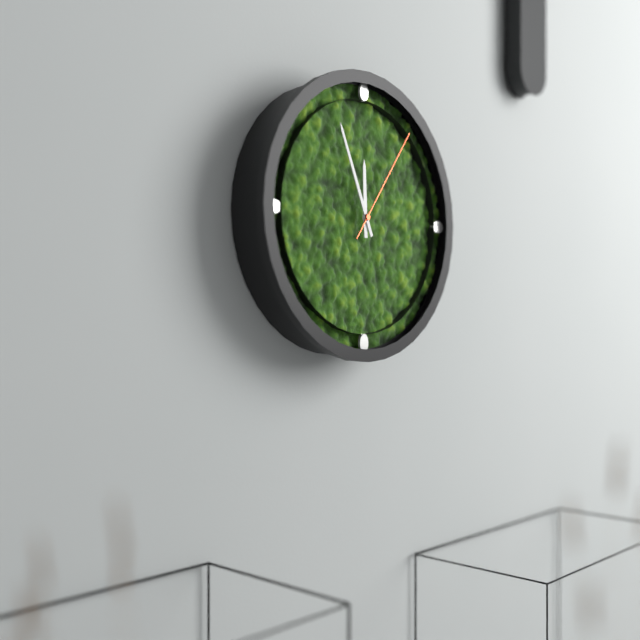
11.56.06
